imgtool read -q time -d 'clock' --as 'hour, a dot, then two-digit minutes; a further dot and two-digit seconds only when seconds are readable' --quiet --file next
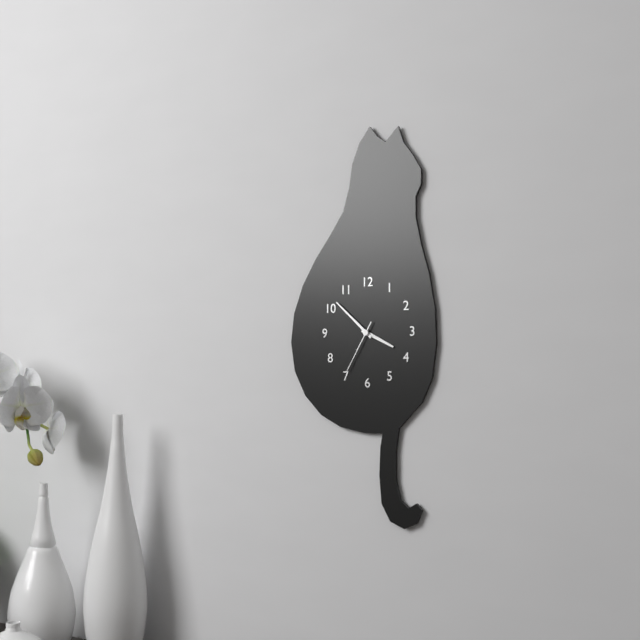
3.52.35
